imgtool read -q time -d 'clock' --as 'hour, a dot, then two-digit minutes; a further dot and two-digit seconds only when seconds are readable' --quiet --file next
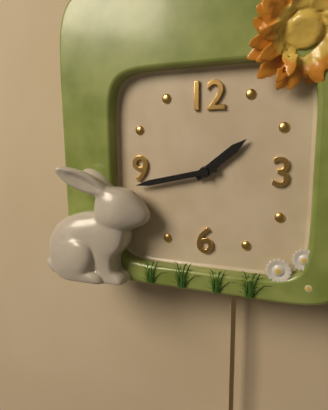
1.43
